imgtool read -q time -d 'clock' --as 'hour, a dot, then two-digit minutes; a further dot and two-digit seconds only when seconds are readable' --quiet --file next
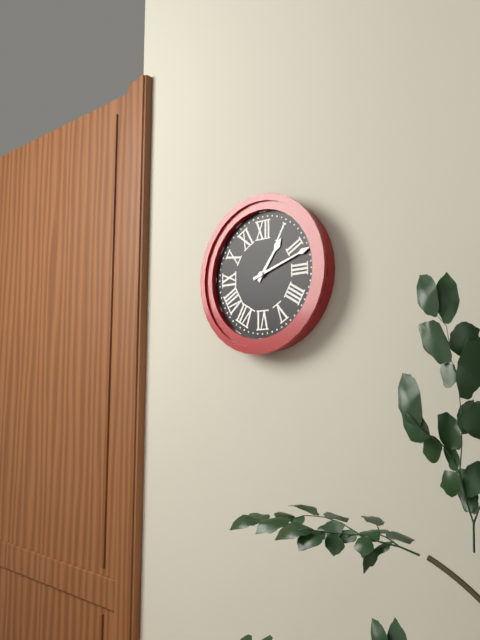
1.12
